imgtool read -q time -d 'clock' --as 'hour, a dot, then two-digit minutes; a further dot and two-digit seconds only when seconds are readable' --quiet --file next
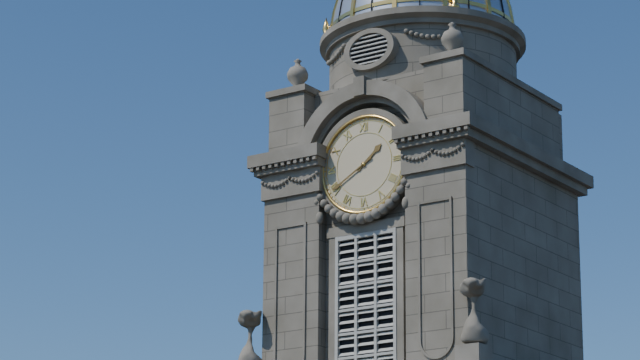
1.40
